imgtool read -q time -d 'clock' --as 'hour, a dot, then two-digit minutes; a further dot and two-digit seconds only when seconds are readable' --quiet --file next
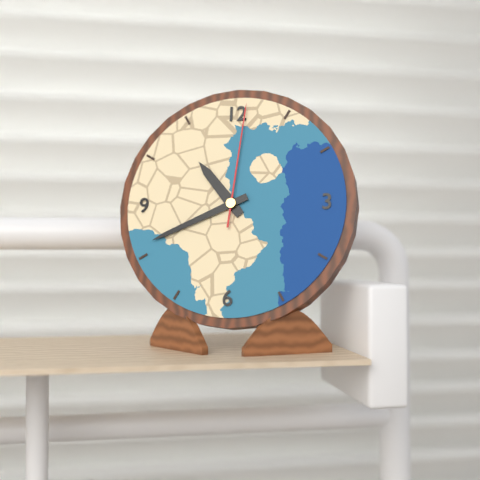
10.41.01
